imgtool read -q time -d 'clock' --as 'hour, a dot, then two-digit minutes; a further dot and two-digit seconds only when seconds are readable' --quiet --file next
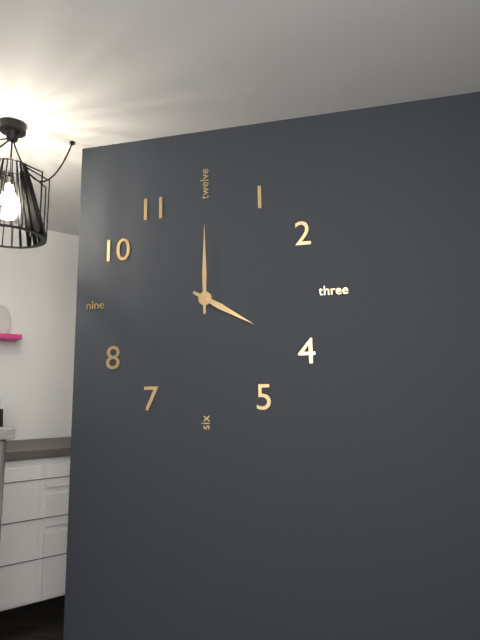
4.00
